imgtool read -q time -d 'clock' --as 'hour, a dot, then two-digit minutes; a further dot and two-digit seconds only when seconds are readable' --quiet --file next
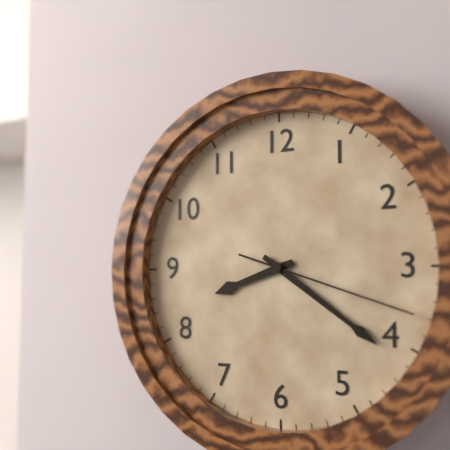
8.21.18
